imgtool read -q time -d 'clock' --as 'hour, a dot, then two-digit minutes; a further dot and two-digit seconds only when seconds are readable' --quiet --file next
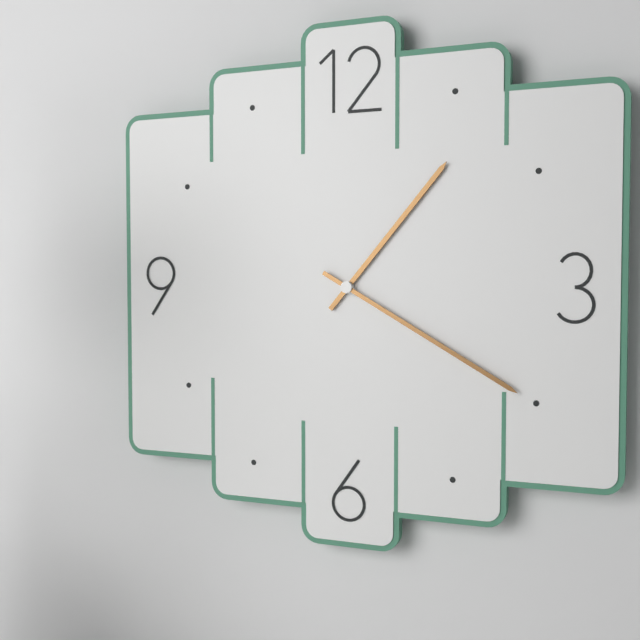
1.20
